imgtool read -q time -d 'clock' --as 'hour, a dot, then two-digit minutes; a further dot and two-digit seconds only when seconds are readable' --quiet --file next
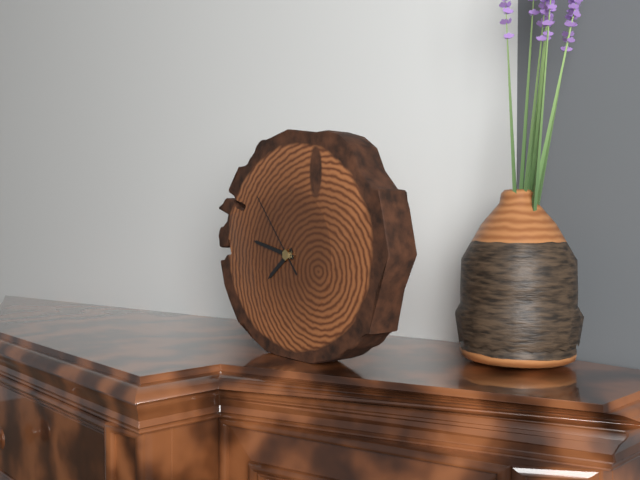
7.47.53
